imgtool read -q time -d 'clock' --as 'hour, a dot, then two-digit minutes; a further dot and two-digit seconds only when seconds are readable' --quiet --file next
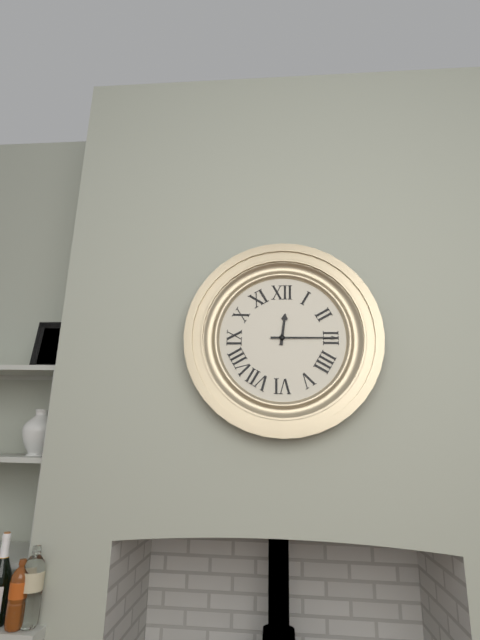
12.15
